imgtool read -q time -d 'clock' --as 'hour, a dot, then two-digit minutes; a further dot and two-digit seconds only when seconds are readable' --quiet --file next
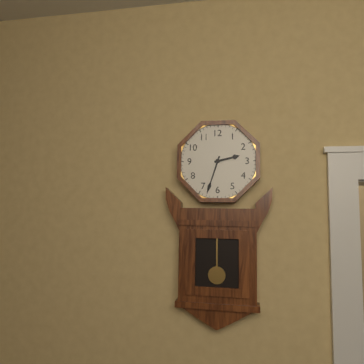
2.33
